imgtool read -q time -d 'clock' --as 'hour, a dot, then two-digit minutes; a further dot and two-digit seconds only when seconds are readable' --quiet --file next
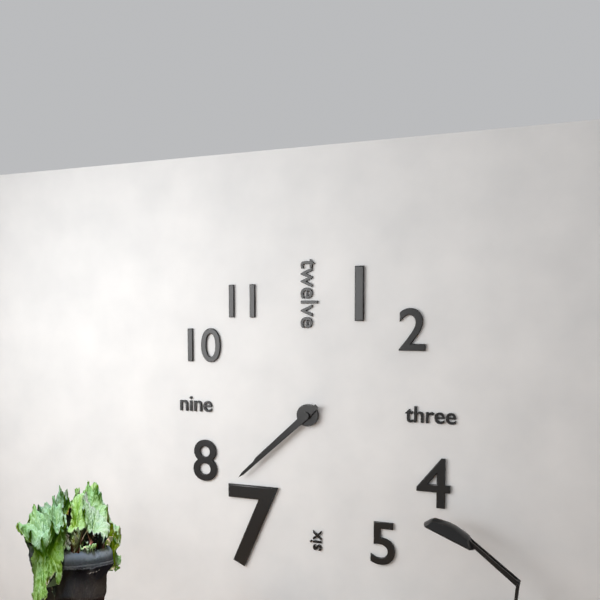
7.38
